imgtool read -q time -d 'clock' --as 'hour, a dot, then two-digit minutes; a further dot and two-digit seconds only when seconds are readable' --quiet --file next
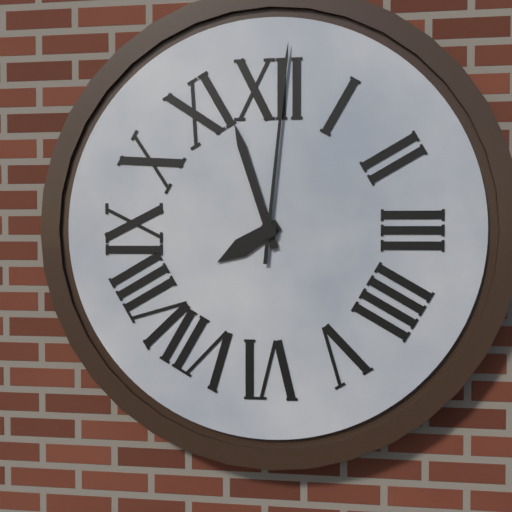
7.57.01
